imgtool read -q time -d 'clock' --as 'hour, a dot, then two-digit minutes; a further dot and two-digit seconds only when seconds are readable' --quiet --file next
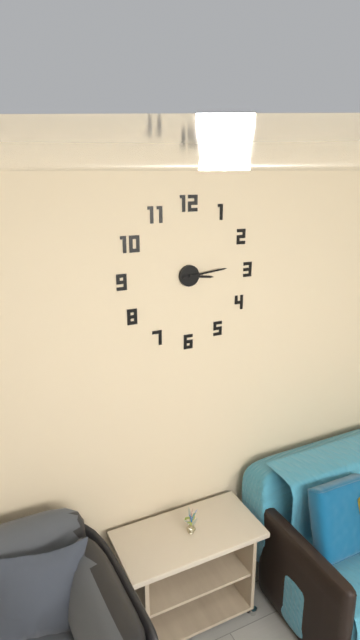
3.14
